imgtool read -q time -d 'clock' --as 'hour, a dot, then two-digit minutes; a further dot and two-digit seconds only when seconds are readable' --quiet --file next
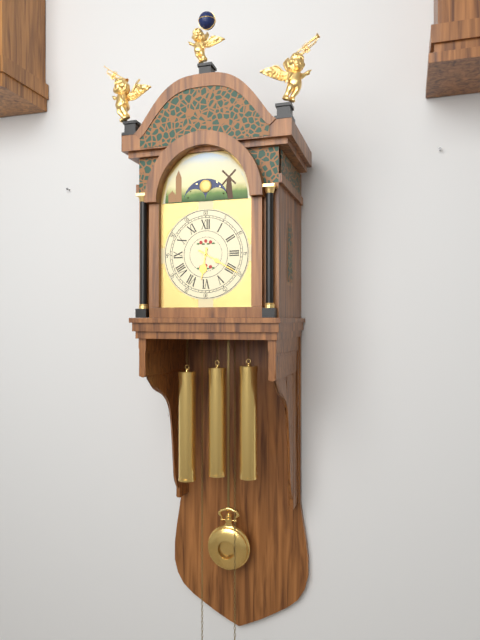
6.20
